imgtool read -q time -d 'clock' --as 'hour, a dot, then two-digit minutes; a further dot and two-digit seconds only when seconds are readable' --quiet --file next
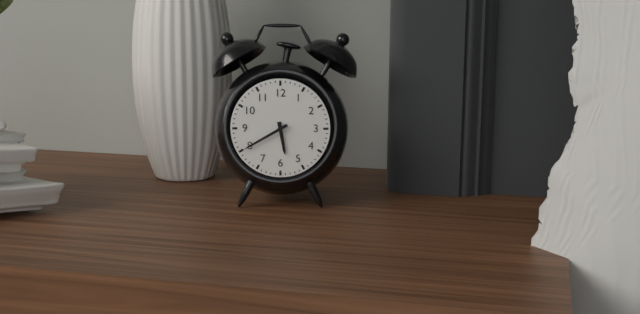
5.40
